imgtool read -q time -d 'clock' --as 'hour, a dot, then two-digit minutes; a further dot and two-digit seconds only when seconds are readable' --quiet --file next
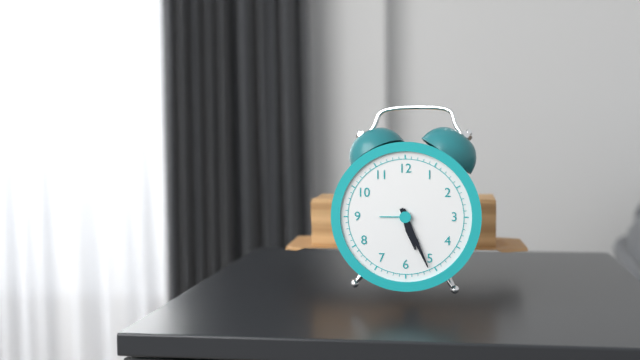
5.26
